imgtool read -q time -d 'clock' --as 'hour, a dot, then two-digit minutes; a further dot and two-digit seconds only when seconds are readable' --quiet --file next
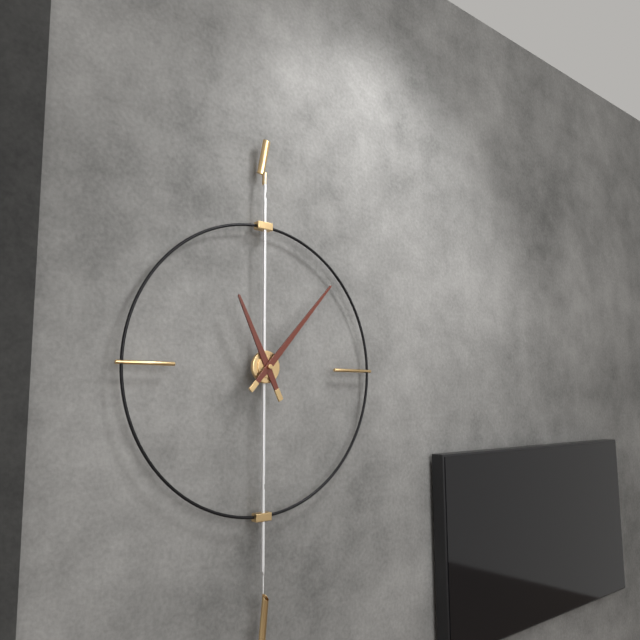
11.07
